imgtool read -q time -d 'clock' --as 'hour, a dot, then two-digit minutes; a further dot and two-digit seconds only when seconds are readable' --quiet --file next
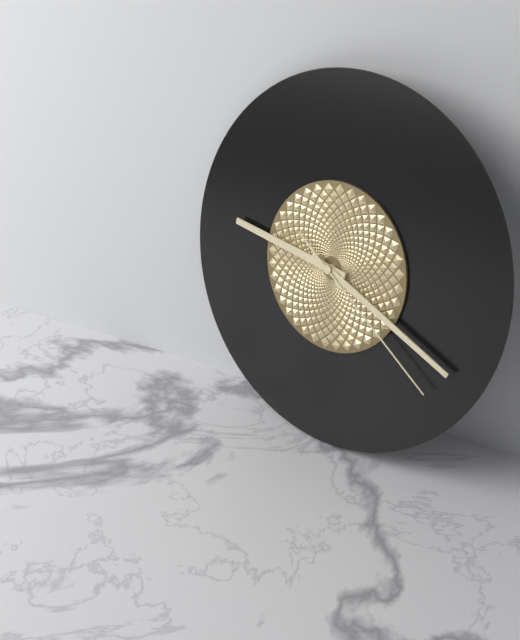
9.19.21
